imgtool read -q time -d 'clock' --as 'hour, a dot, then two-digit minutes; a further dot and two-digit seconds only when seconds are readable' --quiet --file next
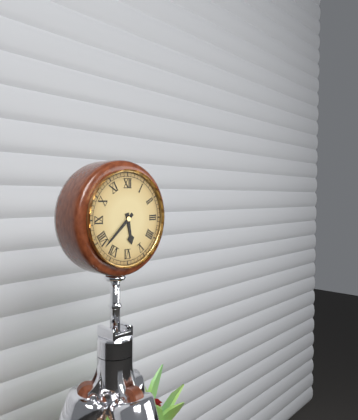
5.38
